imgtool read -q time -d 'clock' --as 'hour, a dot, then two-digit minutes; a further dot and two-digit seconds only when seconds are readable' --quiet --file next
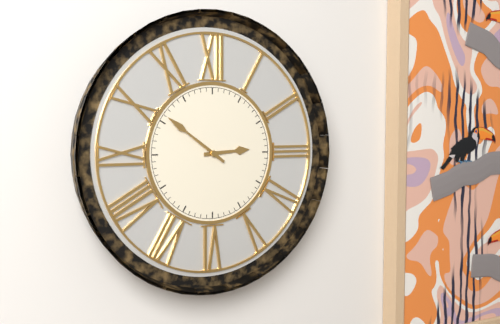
2.51
